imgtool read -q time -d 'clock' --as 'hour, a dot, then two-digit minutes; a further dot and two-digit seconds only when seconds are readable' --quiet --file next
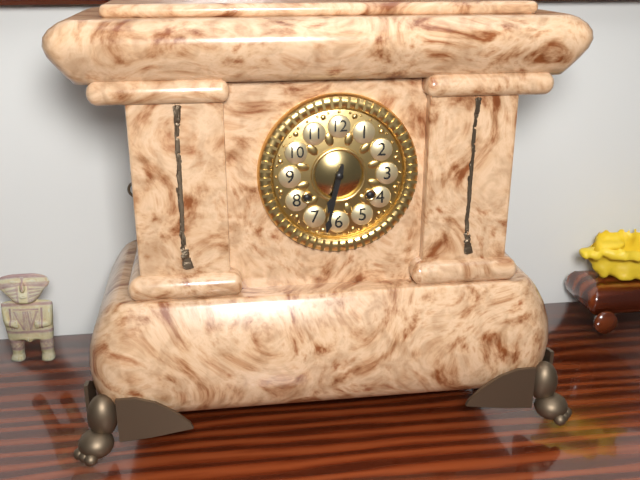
6.32
